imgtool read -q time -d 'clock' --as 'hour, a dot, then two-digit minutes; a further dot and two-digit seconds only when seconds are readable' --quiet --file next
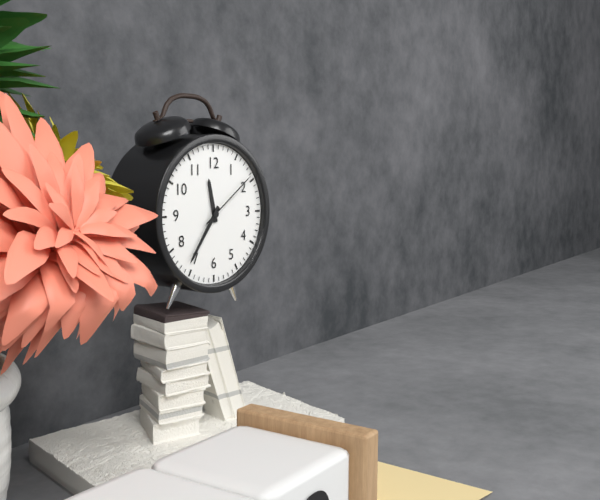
11.36.09
